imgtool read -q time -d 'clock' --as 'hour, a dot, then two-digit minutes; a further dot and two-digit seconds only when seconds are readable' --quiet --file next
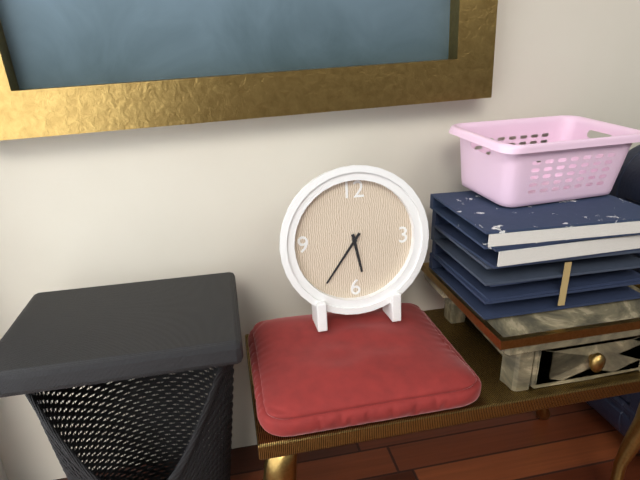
5.36
